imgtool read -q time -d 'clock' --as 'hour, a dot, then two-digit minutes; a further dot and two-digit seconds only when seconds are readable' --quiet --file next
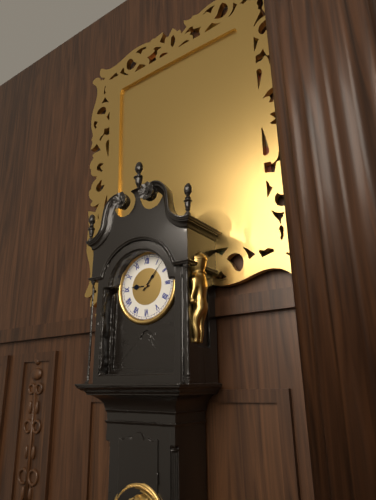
9.07
